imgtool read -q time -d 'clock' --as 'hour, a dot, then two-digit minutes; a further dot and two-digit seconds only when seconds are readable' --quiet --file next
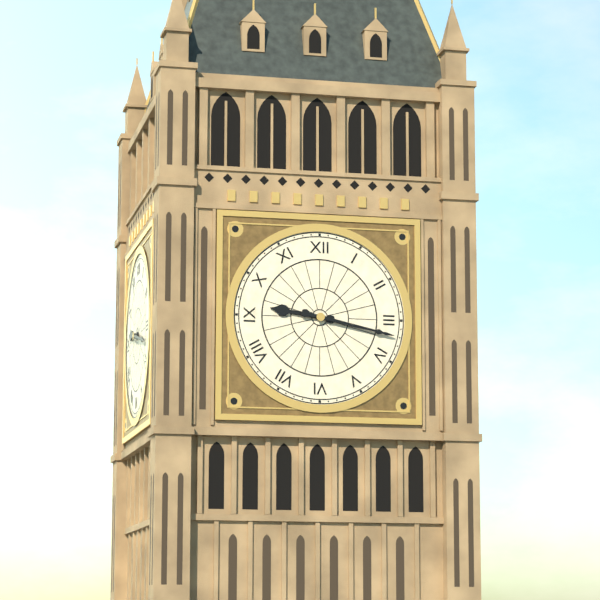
9.17
